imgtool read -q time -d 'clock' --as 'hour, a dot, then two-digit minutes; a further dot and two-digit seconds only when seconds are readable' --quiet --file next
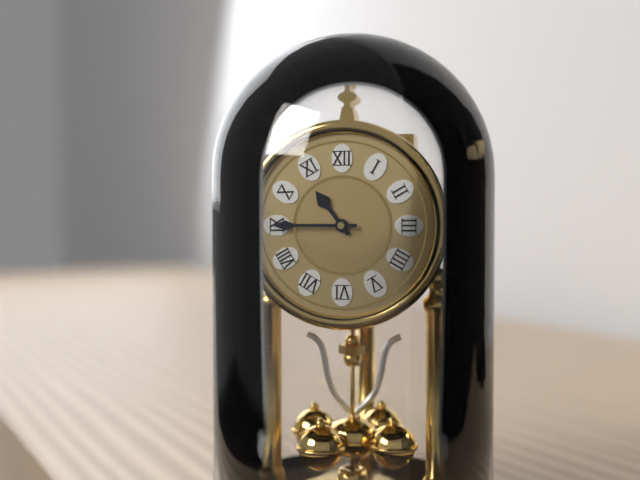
10.45
